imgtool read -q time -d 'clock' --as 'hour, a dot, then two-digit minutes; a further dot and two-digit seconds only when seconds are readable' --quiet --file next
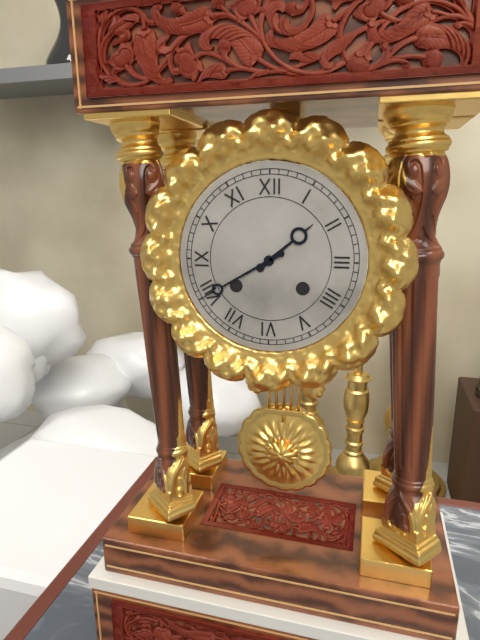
1.40
